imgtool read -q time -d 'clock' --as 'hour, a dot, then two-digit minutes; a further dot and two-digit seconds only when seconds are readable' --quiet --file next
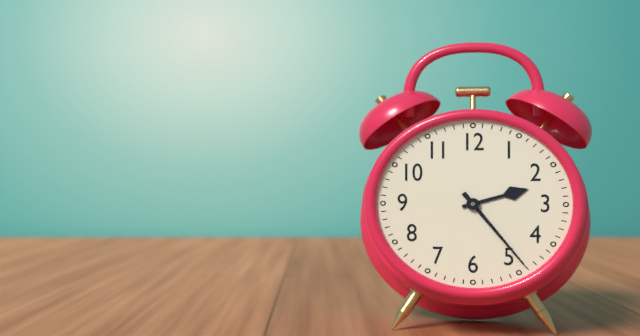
2.24
